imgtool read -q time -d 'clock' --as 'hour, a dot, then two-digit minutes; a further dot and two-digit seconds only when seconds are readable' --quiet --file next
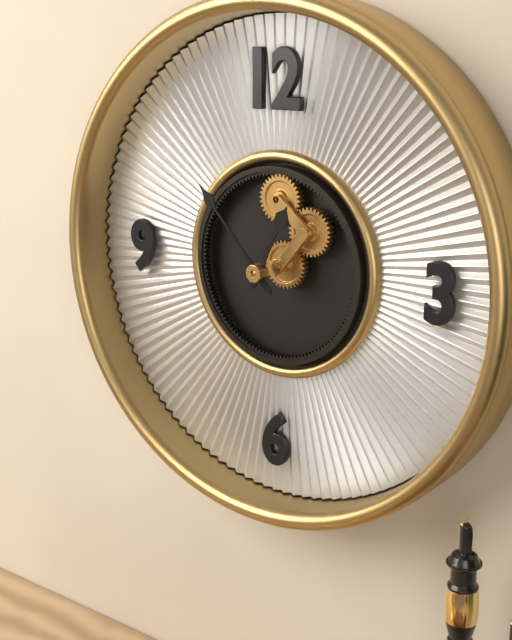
12.53
